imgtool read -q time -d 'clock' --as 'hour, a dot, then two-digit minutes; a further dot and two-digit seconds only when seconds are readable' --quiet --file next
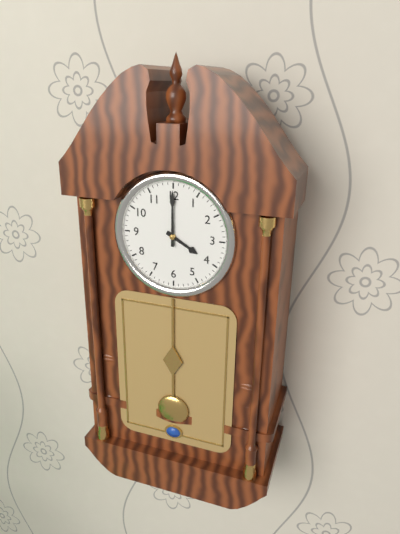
4.00
